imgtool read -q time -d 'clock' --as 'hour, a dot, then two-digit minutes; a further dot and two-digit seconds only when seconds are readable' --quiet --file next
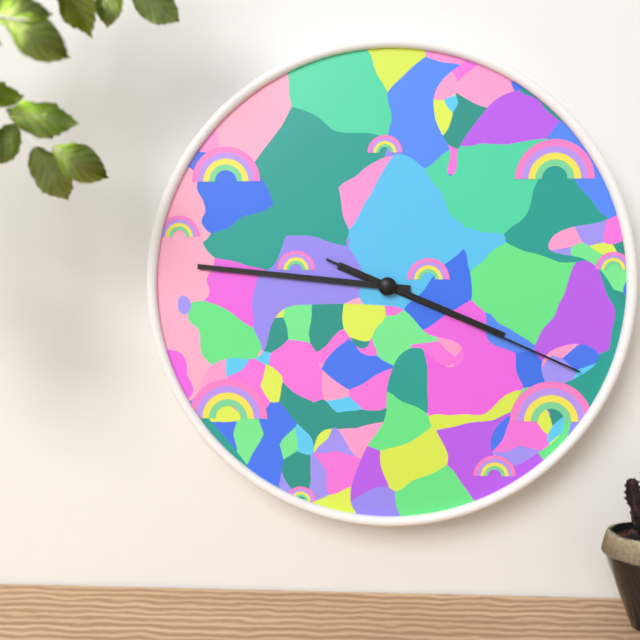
3.46.19
